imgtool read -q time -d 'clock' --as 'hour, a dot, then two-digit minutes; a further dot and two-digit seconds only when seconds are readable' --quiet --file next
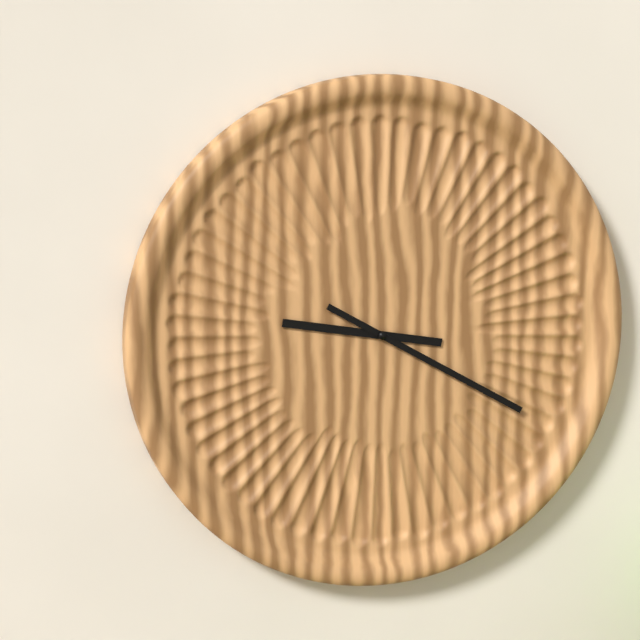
9.20
